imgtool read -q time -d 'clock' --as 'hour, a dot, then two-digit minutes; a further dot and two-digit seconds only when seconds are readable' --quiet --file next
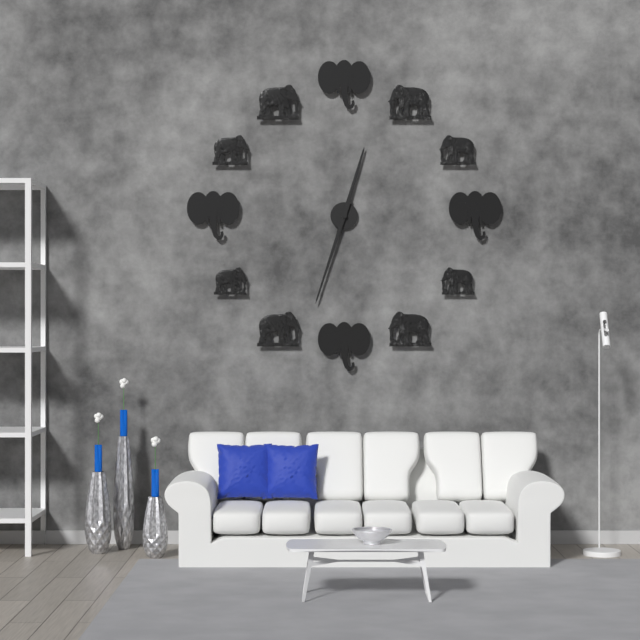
12.33
